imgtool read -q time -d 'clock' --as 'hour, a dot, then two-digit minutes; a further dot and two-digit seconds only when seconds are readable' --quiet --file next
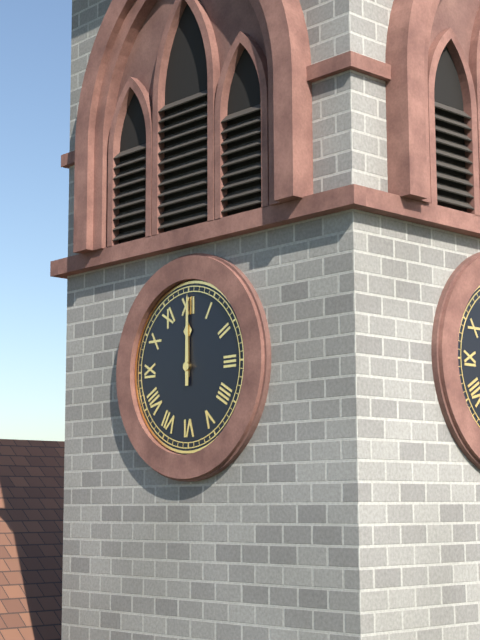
12.00
